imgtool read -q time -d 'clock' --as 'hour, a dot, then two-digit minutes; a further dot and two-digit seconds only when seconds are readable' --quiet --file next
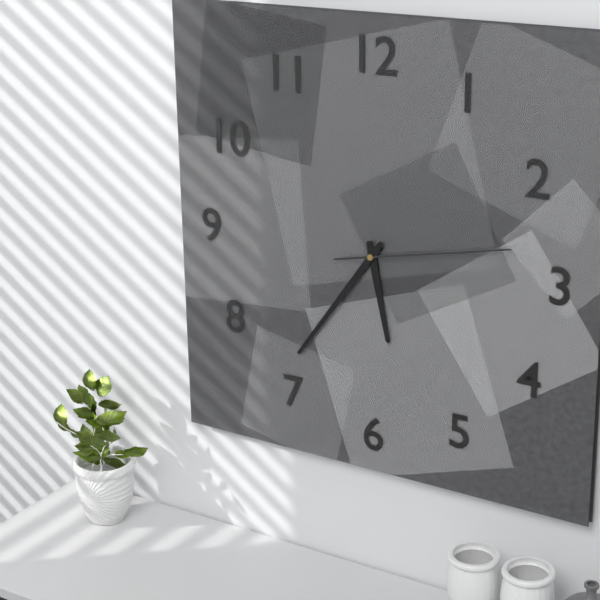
5.36.13
